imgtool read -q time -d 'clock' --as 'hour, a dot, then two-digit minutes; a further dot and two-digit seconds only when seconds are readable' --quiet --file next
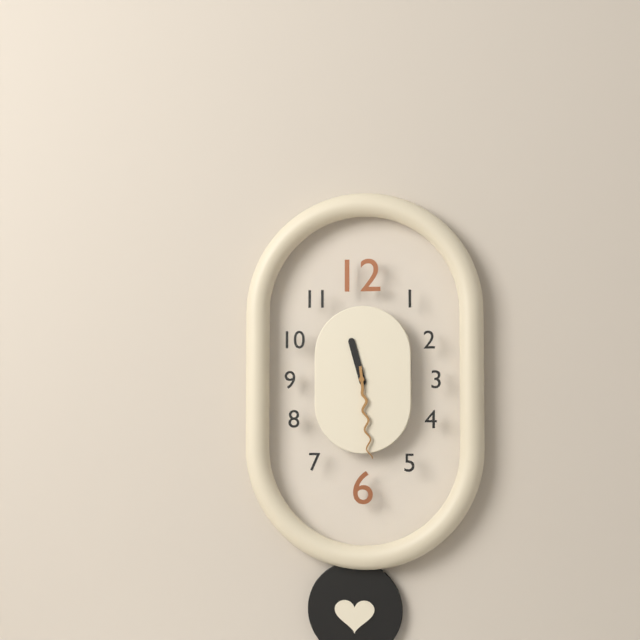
11.29
